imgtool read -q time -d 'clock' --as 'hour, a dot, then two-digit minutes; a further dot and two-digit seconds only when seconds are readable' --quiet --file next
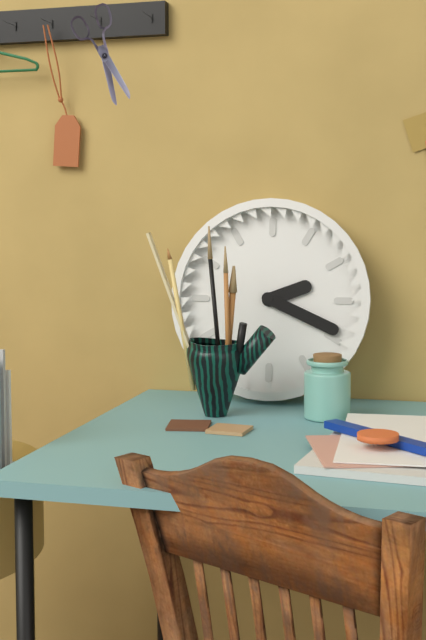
2.19
